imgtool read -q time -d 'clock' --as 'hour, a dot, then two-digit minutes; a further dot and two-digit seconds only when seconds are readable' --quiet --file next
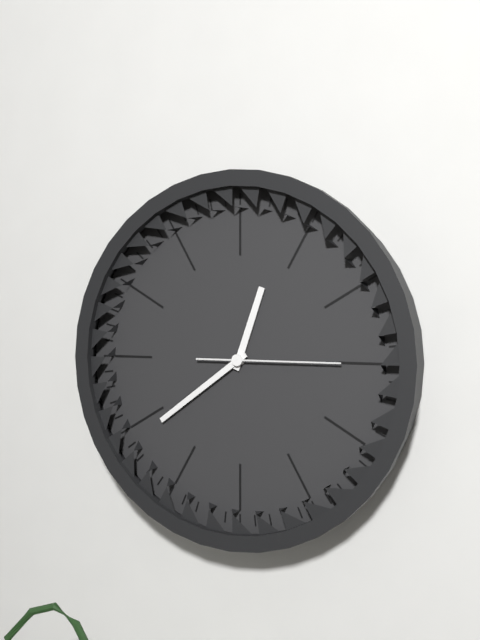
12.39.15
